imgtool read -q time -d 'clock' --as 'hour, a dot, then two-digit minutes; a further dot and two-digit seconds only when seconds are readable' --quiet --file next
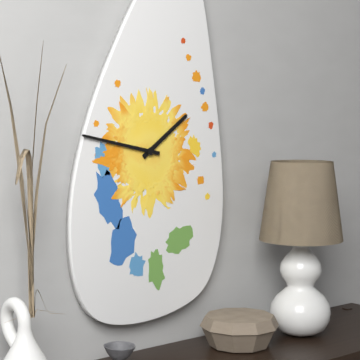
1.47
